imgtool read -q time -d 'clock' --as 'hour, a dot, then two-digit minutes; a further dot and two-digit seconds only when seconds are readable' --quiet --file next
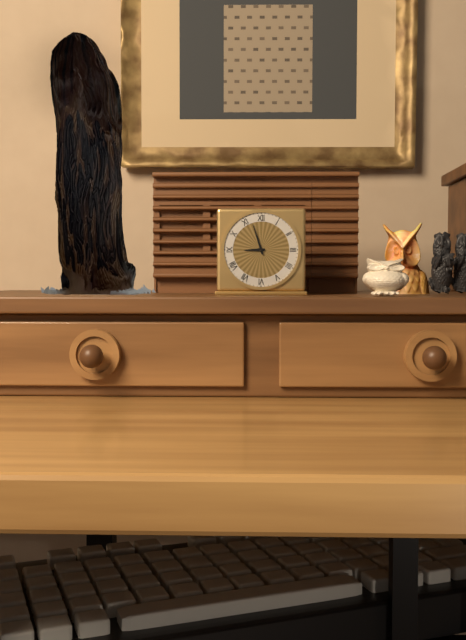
8.57
